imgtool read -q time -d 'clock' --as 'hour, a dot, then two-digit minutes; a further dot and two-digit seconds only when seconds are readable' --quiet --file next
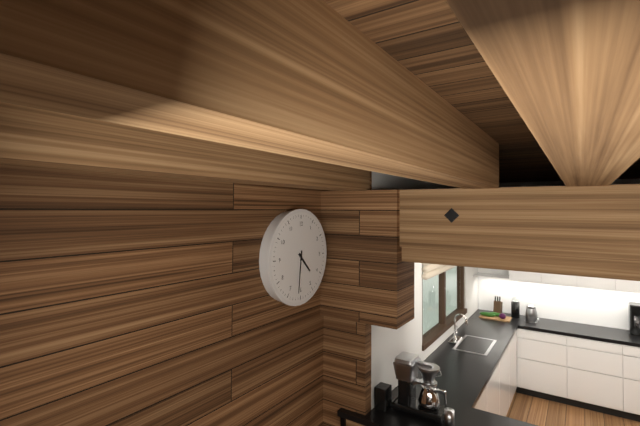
4.31
